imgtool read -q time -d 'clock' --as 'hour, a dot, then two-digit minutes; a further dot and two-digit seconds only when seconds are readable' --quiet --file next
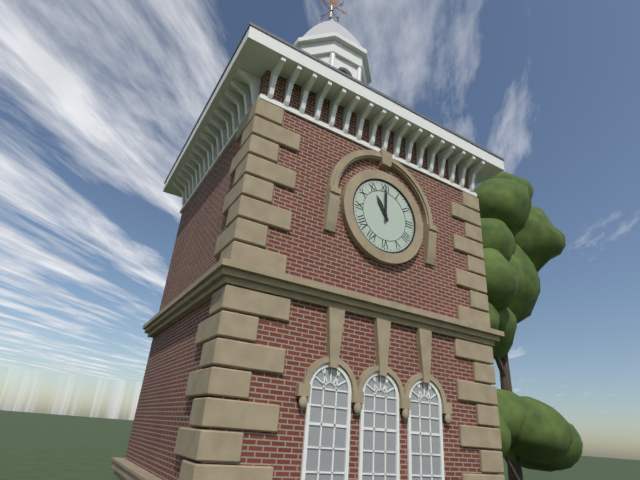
11.00
